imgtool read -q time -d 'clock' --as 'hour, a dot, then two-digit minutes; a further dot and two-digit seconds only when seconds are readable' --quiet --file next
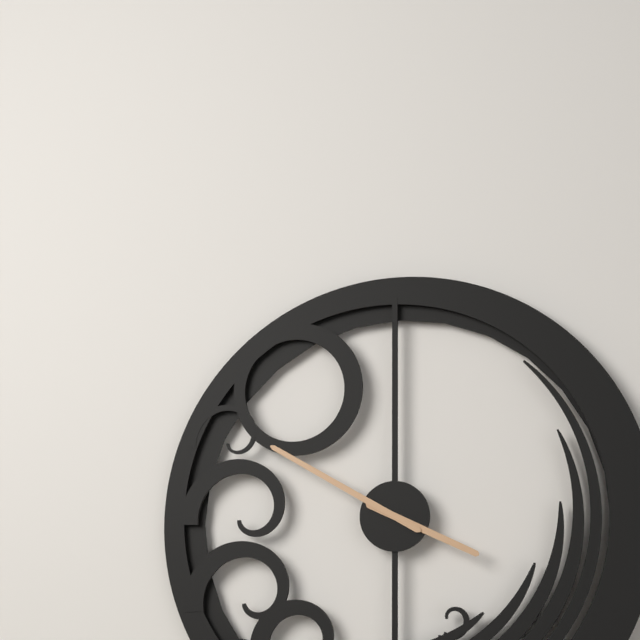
3.50
